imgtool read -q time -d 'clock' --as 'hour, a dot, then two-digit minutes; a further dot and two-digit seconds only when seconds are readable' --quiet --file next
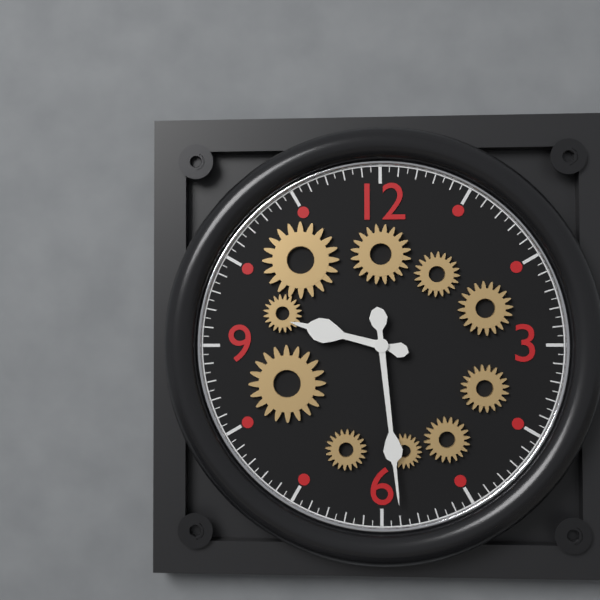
9.29
